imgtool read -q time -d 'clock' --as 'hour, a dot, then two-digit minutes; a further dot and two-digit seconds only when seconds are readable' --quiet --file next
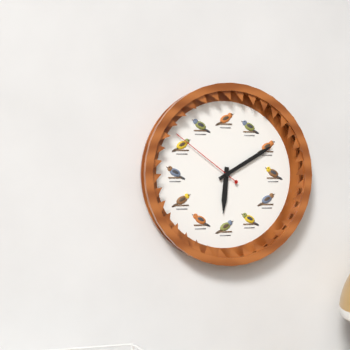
6.10.51
